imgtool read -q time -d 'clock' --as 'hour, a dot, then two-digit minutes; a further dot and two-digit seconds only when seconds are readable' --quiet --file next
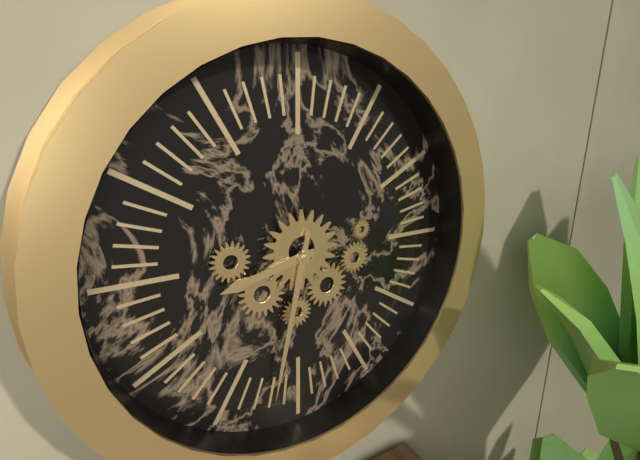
8.32
